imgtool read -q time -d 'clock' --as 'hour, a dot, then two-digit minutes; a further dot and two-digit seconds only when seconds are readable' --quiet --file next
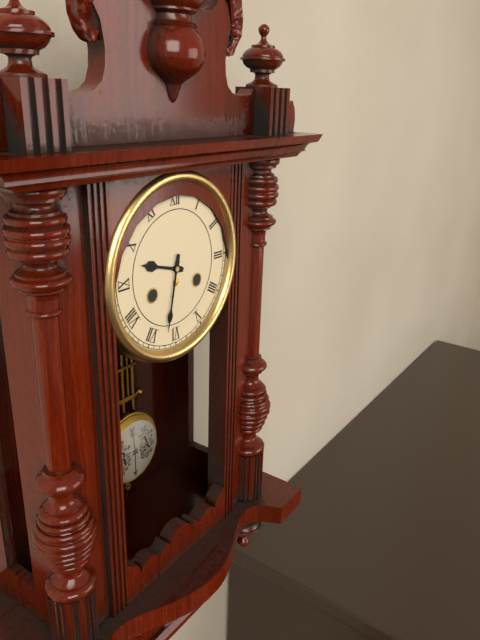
9.32
